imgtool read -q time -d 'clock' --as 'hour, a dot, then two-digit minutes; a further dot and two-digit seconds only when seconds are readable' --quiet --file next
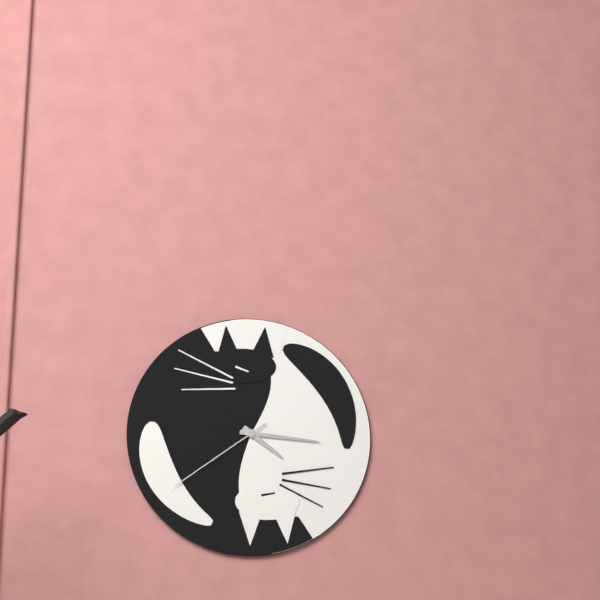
4.16.39
